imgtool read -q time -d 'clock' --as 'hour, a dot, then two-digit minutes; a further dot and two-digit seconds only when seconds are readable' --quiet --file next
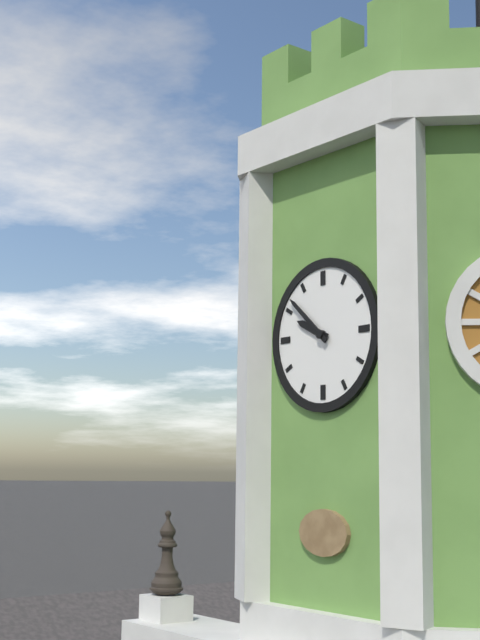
9.52
